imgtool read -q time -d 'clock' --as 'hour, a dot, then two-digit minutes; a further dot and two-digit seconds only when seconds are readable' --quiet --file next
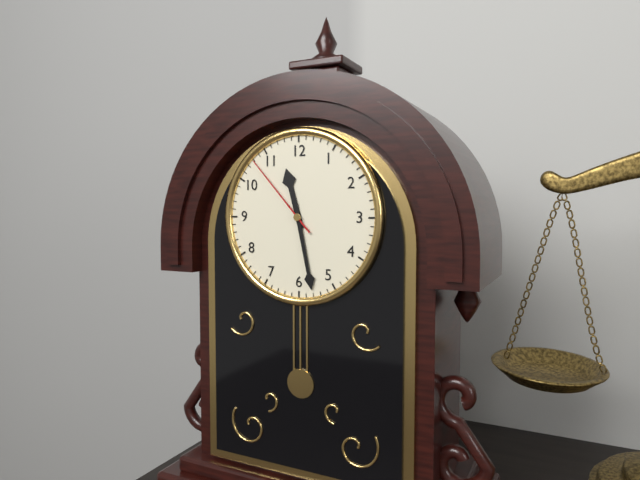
11.28.53
